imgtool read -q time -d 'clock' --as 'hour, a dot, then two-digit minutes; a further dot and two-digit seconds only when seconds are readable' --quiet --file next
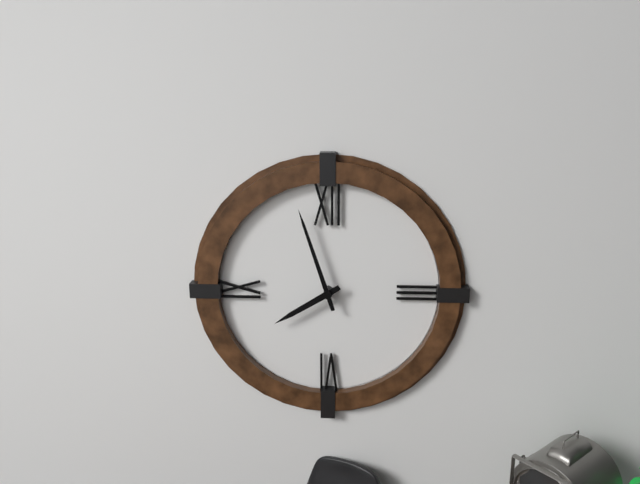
7.57
